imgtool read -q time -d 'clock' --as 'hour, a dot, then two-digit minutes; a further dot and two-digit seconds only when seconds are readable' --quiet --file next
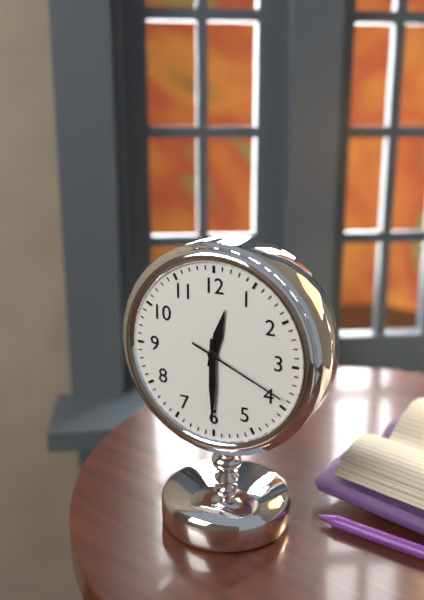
12.30.19
